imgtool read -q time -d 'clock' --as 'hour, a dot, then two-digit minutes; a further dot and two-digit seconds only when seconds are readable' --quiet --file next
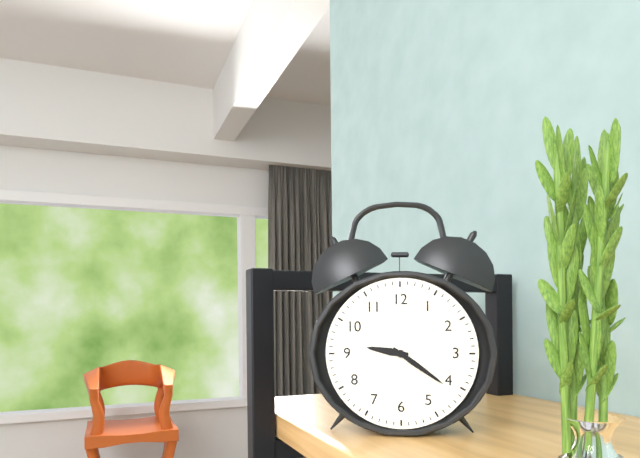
9.21
